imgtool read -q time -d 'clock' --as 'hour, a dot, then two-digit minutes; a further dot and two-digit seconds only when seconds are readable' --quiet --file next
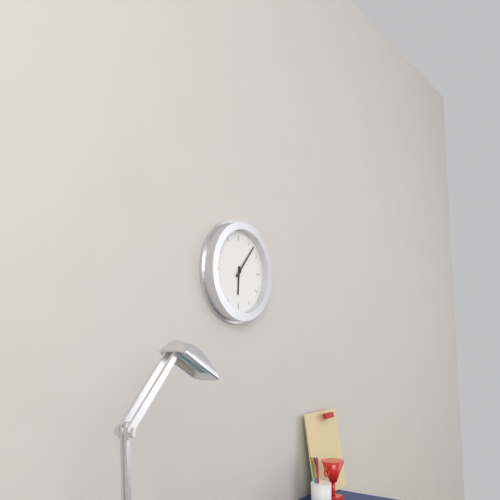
6.07
